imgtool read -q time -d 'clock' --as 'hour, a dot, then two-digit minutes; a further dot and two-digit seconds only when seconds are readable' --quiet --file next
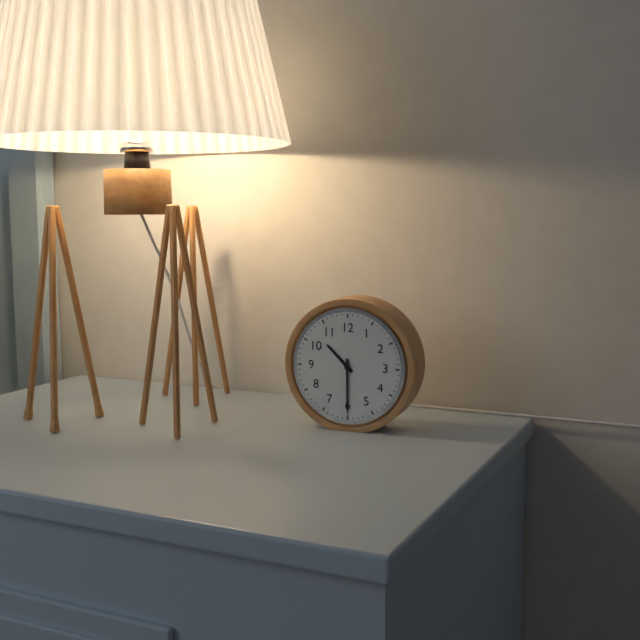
10.30
